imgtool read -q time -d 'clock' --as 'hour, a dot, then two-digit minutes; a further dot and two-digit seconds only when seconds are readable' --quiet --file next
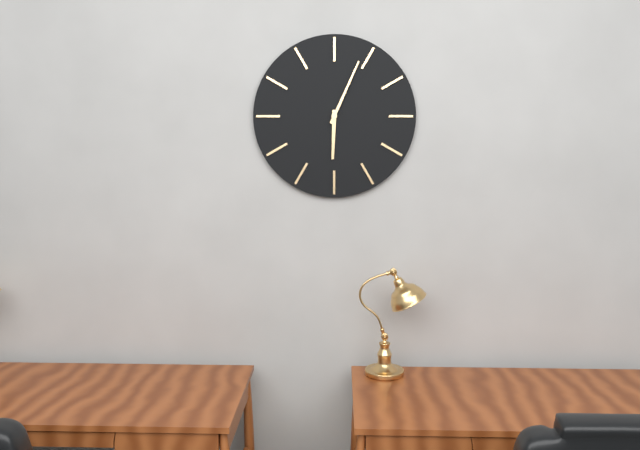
6.04
